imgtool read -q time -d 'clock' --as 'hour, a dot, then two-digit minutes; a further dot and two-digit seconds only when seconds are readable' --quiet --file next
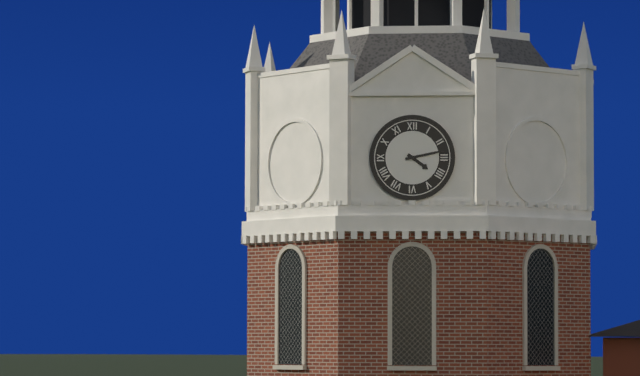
4.13
